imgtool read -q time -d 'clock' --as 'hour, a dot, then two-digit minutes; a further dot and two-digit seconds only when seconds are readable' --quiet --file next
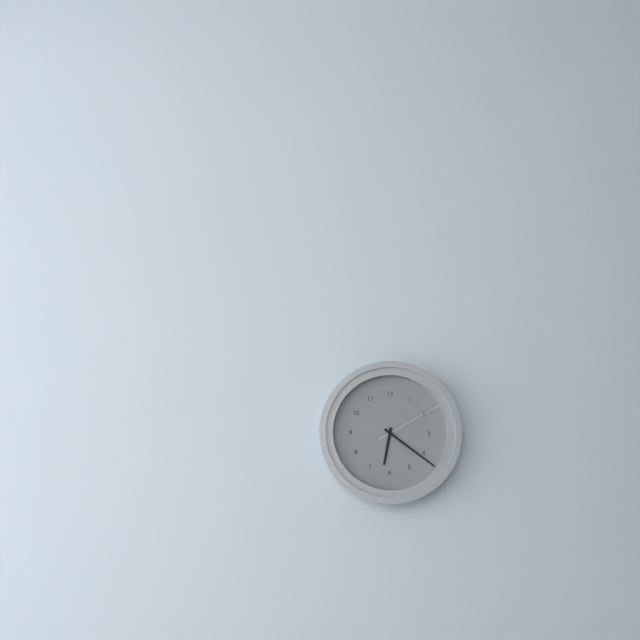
6.21.10
